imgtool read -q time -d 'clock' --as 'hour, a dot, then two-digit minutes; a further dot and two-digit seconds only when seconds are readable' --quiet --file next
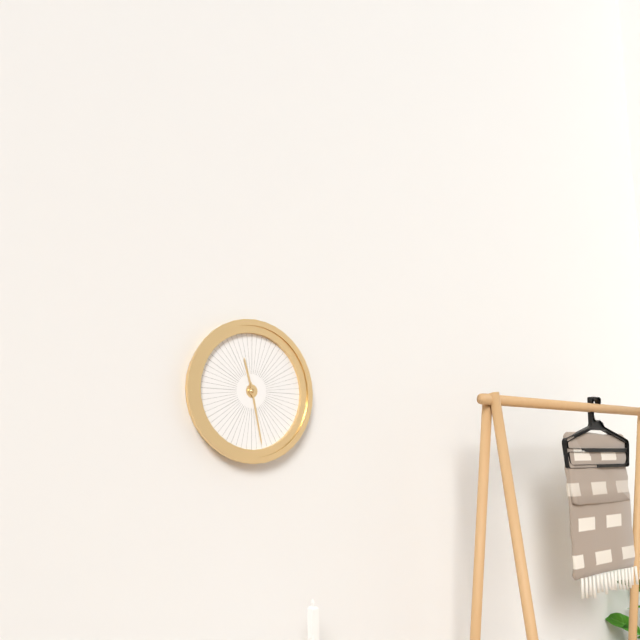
11.28
